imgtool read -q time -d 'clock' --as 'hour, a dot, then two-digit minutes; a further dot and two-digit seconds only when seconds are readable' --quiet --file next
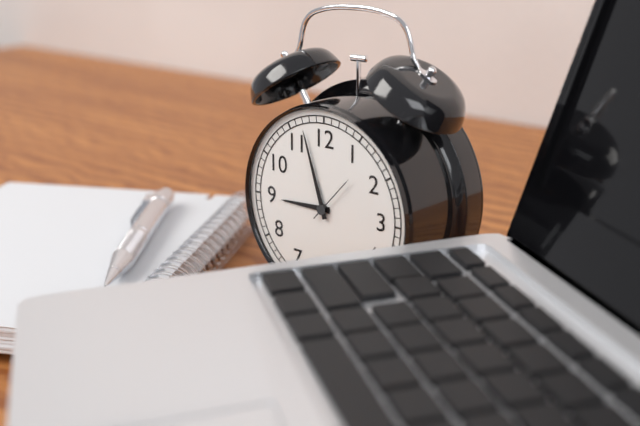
8.57
